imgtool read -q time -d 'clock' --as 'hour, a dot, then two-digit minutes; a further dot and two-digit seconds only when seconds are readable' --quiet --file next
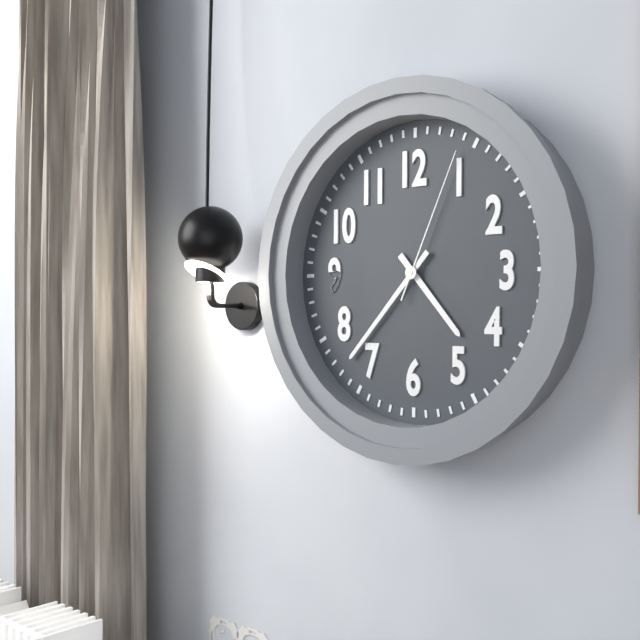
4.37.04
